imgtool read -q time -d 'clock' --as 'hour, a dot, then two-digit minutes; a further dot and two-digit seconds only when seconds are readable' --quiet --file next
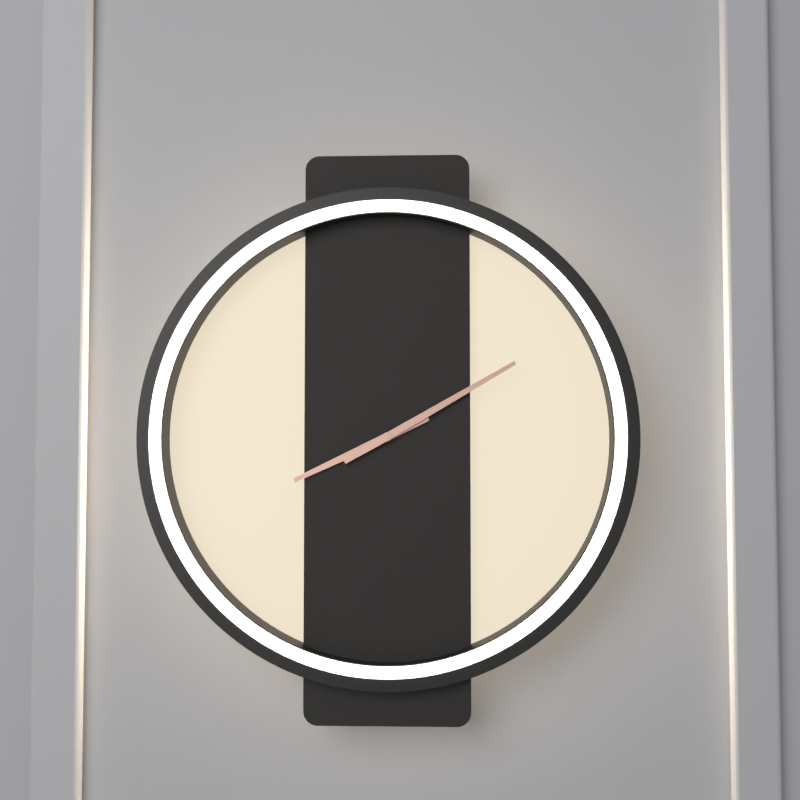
8.10
